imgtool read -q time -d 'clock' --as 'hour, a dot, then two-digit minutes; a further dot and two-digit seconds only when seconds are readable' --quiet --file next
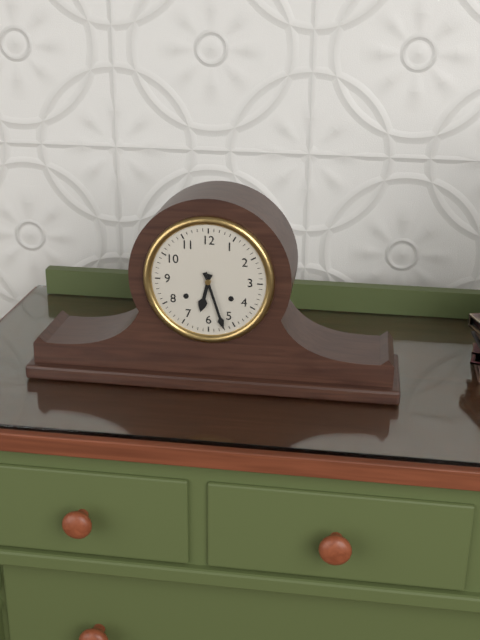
6.27
